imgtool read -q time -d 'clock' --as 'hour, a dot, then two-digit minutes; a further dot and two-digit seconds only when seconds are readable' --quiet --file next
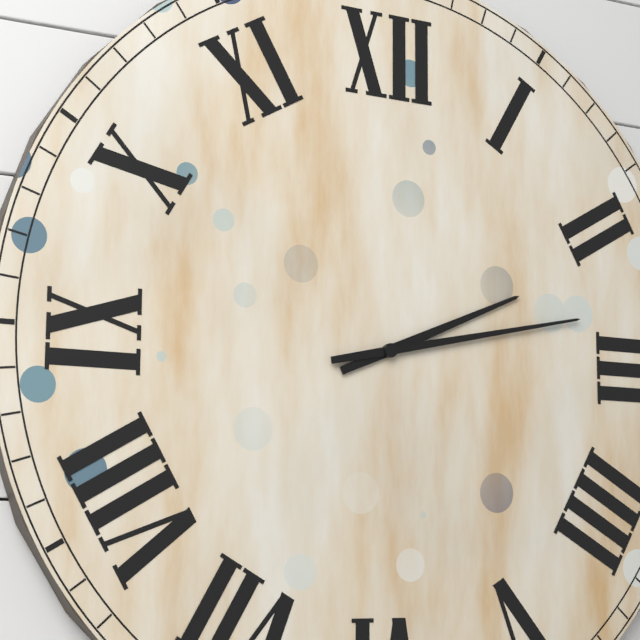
2.13
